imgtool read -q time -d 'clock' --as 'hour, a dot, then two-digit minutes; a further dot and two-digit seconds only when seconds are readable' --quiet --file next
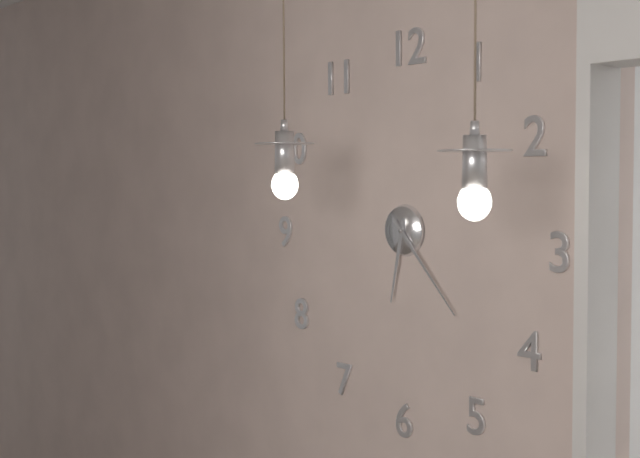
6.23
